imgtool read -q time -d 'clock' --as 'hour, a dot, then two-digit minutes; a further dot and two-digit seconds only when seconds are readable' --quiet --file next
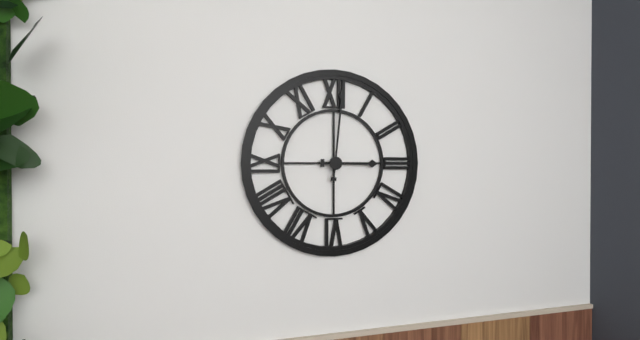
3.01
